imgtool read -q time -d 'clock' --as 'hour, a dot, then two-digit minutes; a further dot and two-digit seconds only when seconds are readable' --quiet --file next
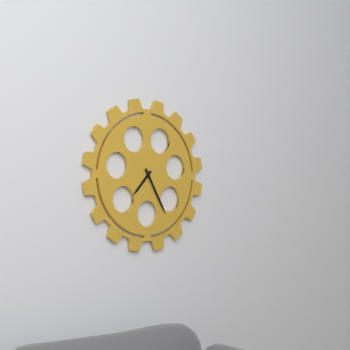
7.25
